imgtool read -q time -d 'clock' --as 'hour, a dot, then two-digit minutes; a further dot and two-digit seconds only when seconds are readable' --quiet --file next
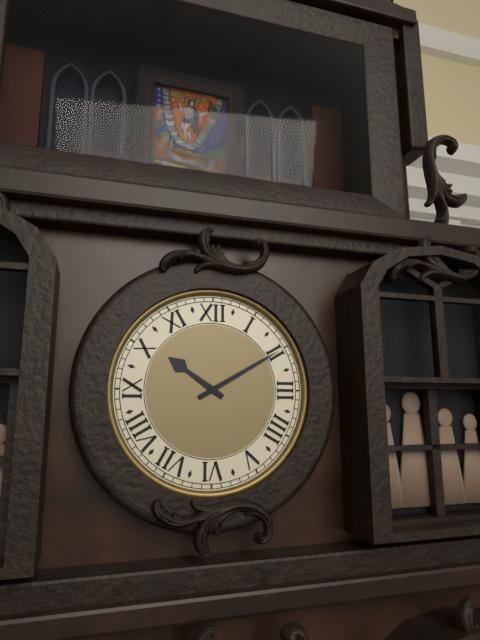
10.10
